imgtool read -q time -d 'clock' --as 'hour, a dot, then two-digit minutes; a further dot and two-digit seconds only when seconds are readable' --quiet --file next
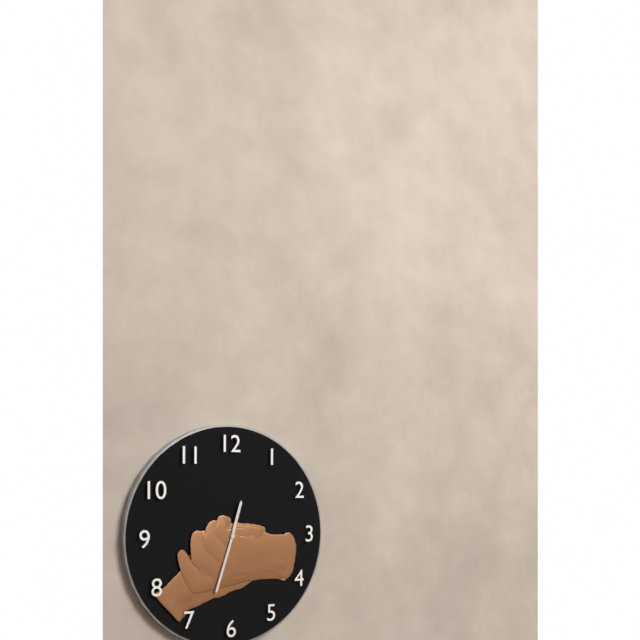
12.33
